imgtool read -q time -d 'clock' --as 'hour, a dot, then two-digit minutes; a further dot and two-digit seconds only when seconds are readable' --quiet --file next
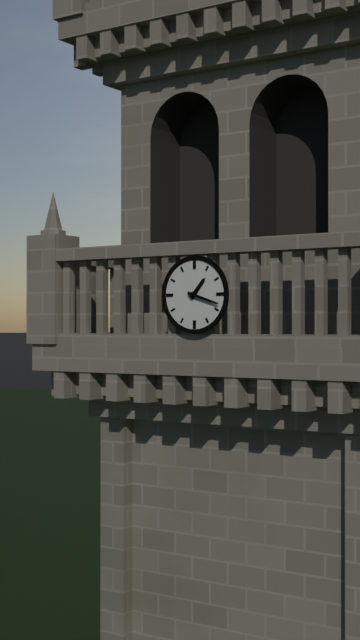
1.18
